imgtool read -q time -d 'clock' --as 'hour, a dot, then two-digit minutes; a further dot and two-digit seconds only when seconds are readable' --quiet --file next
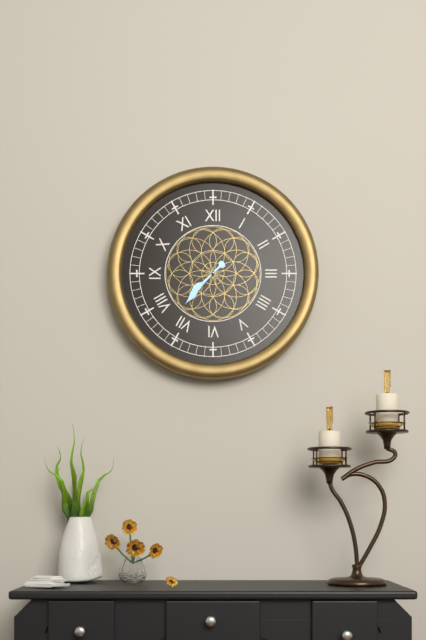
7.37
